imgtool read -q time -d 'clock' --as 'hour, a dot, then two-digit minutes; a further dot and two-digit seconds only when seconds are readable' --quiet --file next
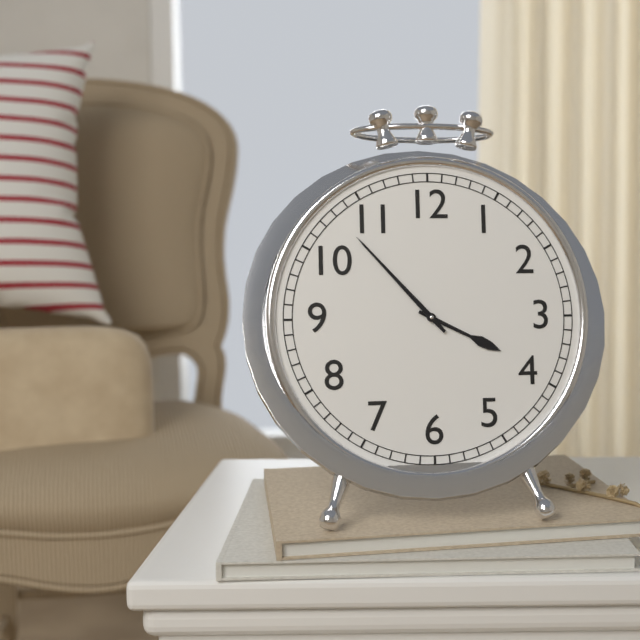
3.53
